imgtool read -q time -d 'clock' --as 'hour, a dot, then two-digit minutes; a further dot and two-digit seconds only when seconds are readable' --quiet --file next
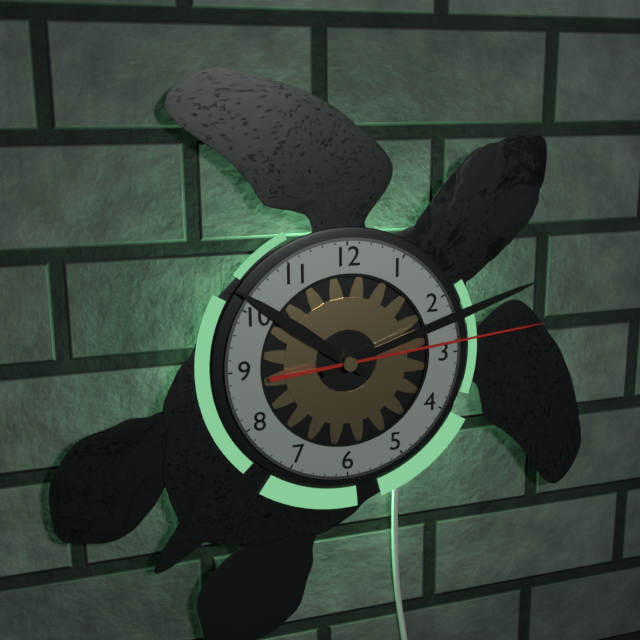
10.12.14
